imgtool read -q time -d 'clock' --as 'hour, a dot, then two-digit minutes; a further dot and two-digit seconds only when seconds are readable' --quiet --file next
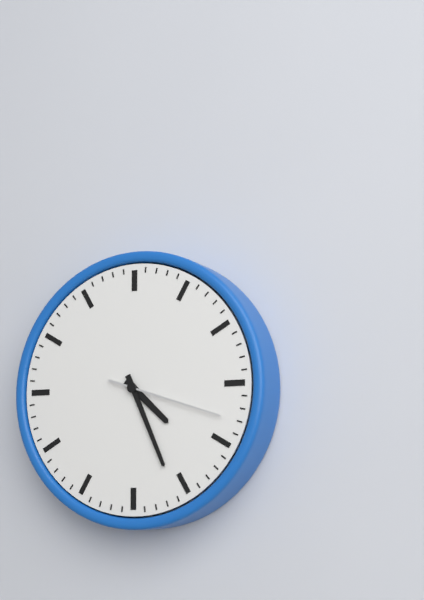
4.26.18
